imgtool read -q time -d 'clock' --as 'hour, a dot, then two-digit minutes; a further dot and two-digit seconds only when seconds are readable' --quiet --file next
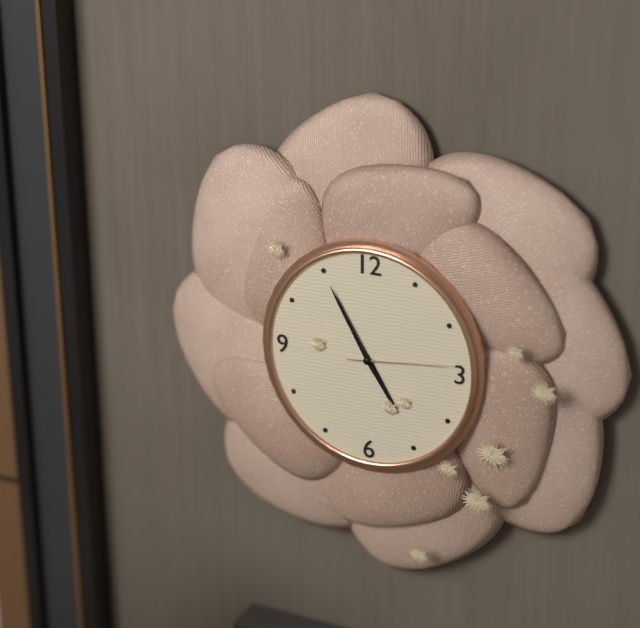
4.55.14
